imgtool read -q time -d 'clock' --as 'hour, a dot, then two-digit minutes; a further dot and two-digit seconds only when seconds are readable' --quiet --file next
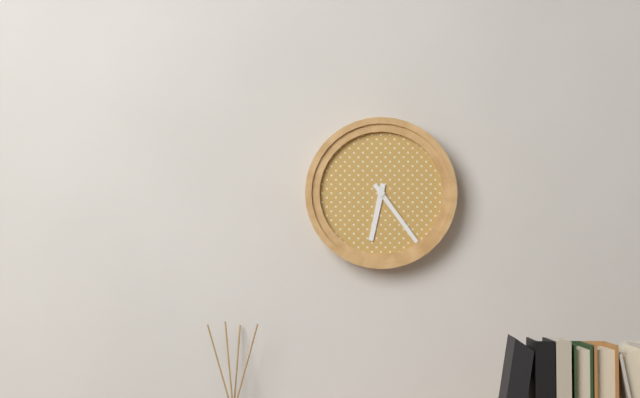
6.24
